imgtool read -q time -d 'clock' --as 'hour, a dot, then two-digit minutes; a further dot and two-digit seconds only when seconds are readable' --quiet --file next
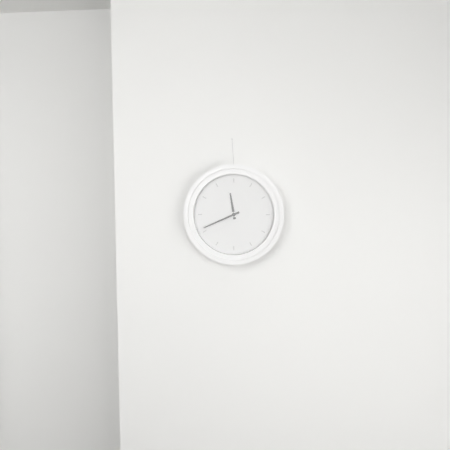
11.41
